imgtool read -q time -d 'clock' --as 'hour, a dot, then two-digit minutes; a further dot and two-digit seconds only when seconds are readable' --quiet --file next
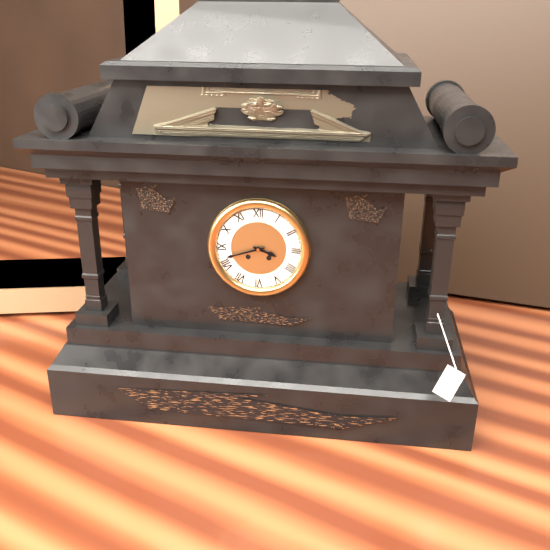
3.42
